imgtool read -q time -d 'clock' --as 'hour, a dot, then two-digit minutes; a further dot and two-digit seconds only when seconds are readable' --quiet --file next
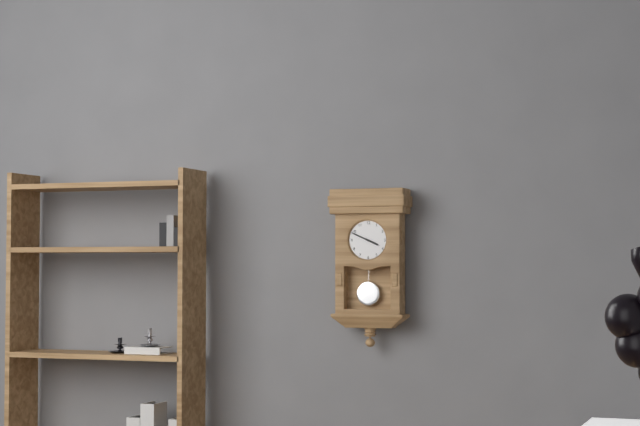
3.49
